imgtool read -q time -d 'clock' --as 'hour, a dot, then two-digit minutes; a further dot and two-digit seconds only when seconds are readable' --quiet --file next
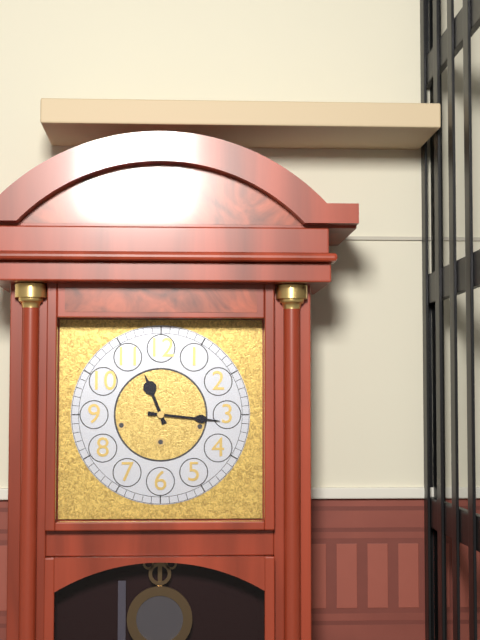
11.16
